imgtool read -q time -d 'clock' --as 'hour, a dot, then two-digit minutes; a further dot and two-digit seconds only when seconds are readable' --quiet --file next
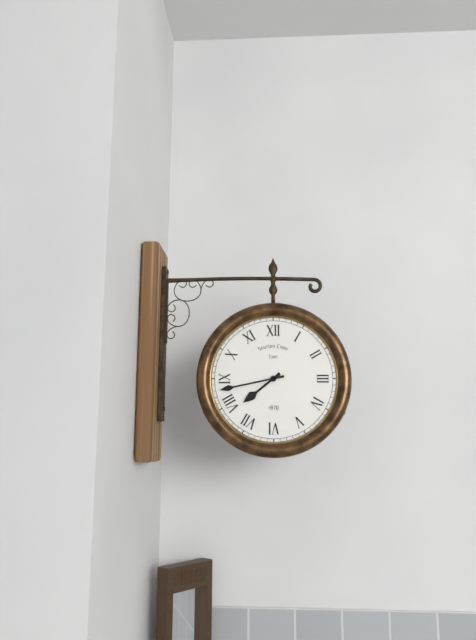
7.43
